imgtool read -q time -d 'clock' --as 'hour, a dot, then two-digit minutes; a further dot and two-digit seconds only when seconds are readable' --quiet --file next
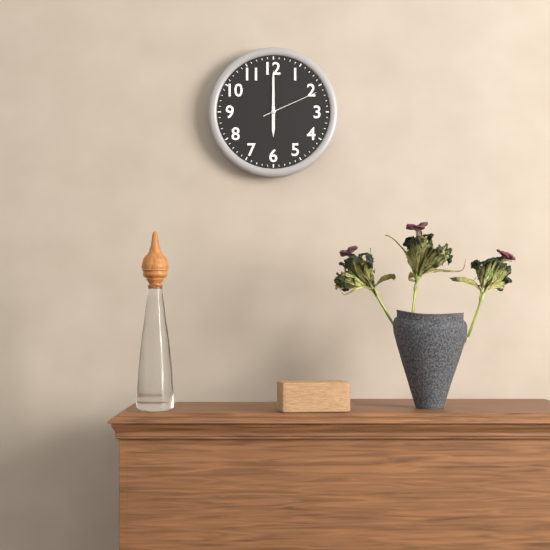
6.00.11
